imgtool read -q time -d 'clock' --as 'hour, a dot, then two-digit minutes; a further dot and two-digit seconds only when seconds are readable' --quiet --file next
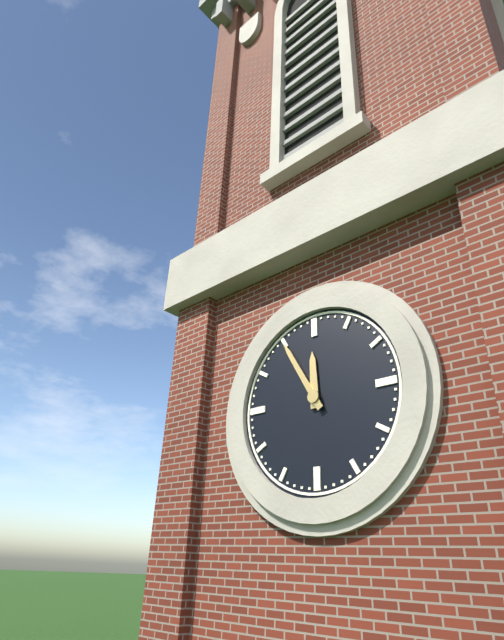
11.55
